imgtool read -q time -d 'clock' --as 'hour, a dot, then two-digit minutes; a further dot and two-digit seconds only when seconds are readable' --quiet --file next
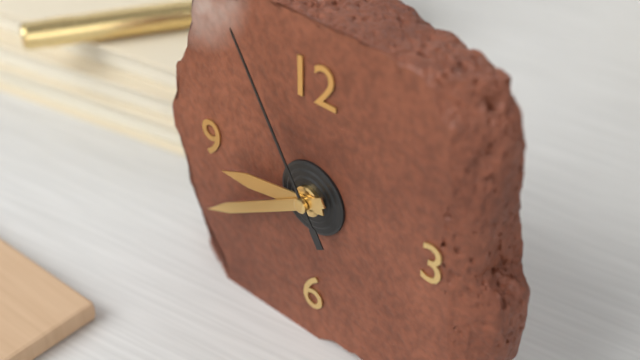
8.40.55
